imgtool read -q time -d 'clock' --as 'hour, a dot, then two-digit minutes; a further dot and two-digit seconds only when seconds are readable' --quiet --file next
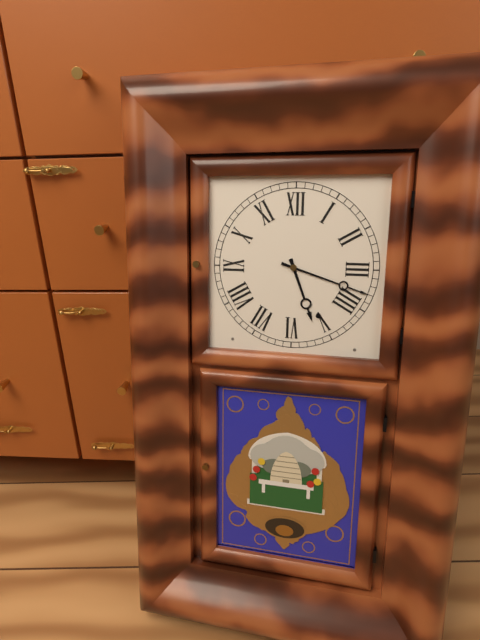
5.18
